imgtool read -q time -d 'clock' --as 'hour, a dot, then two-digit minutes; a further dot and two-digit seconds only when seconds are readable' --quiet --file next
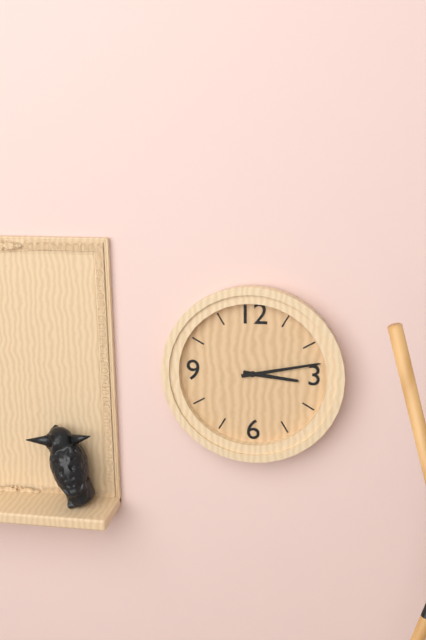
3.13
